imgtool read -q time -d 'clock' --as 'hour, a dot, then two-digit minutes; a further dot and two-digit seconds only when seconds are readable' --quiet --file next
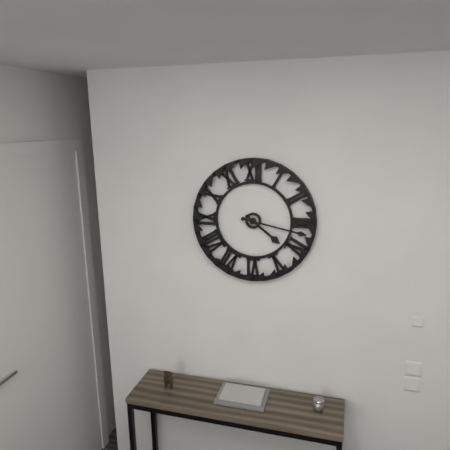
4.17
